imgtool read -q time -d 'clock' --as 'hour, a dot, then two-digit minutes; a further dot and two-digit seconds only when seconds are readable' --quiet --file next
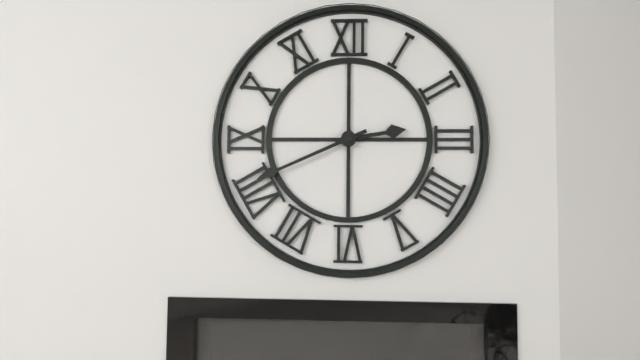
2.41
